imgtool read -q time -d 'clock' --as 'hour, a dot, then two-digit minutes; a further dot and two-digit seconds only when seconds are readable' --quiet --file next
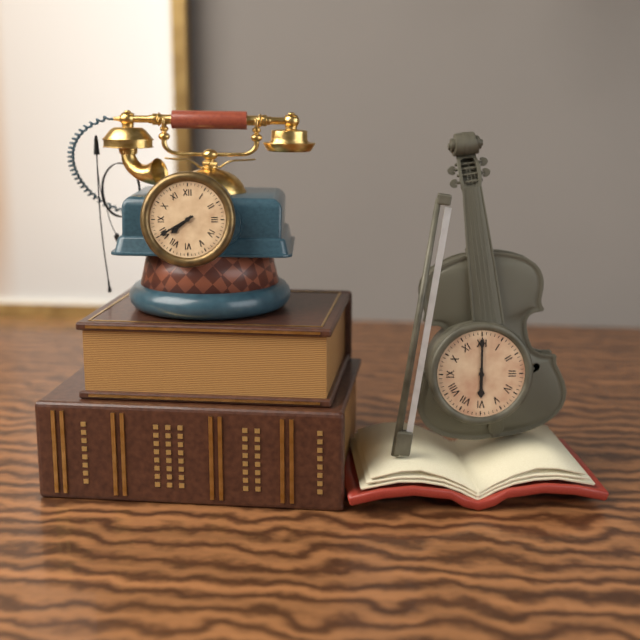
7.40
